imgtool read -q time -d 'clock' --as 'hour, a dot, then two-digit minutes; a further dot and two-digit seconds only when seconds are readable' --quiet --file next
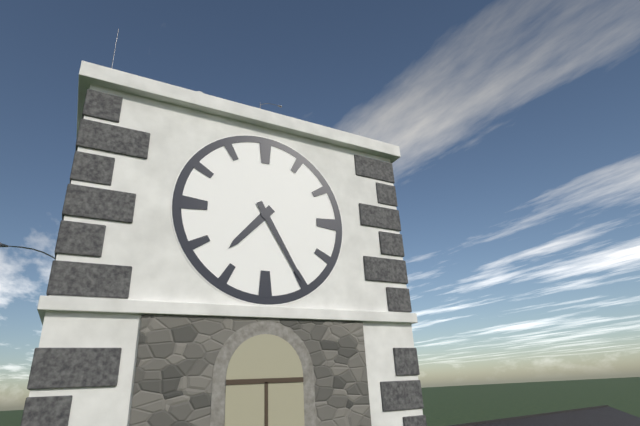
7.25
